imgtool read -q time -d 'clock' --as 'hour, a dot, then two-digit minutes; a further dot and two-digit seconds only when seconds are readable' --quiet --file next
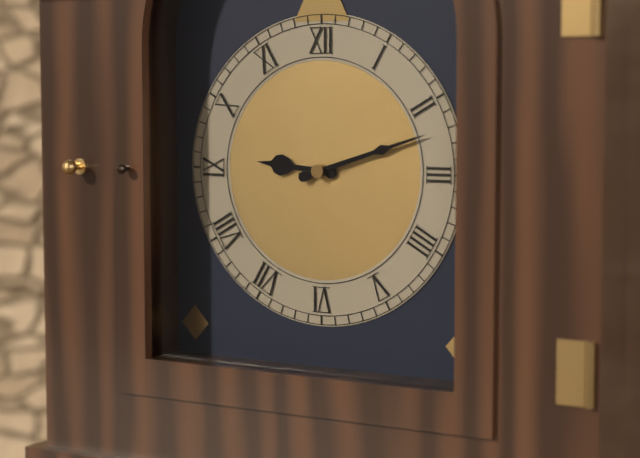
9.12
